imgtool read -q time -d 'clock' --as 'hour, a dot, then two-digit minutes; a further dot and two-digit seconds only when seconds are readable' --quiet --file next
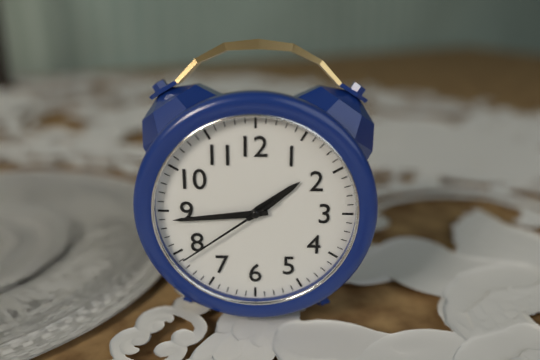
1.44.39
